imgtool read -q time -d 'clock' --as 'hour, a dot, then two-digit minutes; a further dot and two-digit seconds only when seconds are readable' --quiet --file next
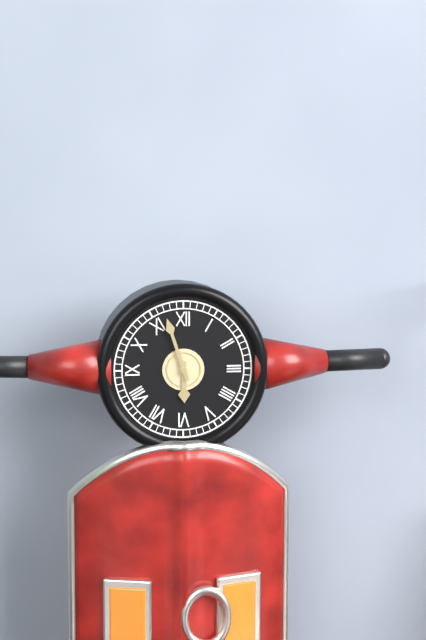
5.57
